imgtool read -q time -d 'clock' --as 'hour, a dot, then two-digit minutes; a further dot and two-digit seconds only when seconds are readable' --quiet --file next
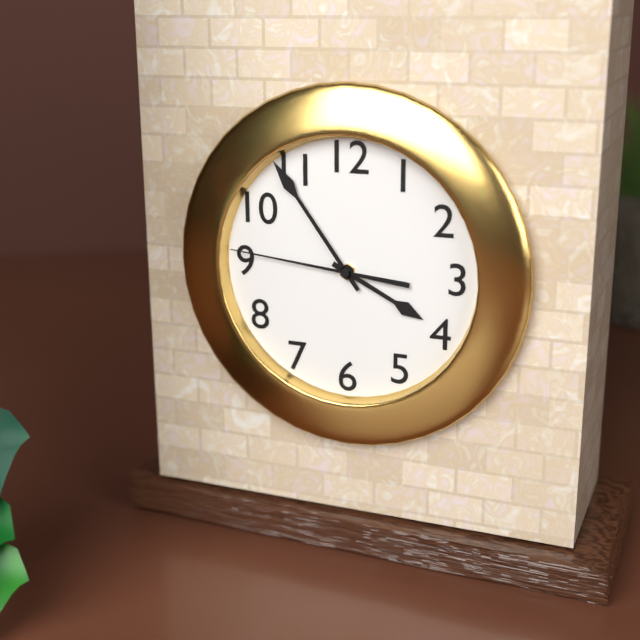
3.54.46
